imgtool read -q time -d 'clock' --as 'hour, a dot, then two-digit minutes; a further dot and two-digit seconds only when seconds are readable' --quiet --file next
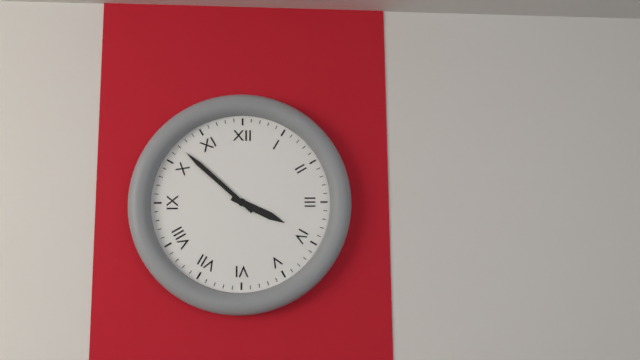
3.52
